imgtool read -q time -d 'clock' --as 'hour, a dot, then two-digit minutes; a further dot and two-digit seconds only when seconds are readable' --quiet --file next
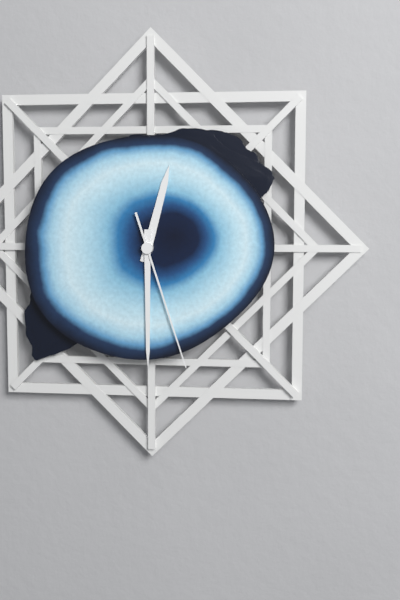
12.30.27
